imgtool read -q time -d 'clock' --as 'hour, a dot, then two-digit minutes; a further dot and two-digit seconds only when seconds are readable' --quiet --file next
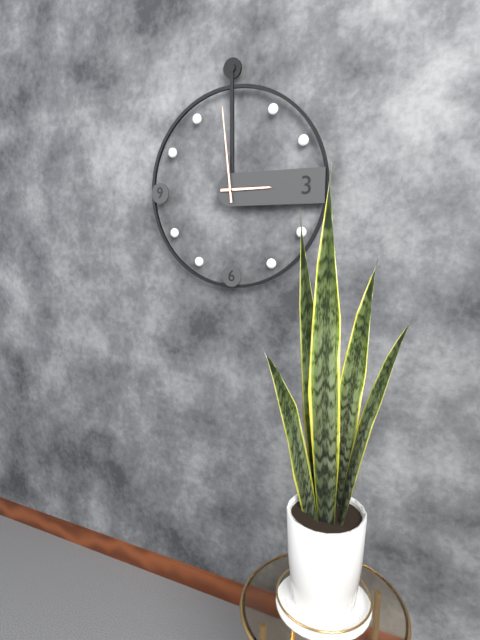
2.59
